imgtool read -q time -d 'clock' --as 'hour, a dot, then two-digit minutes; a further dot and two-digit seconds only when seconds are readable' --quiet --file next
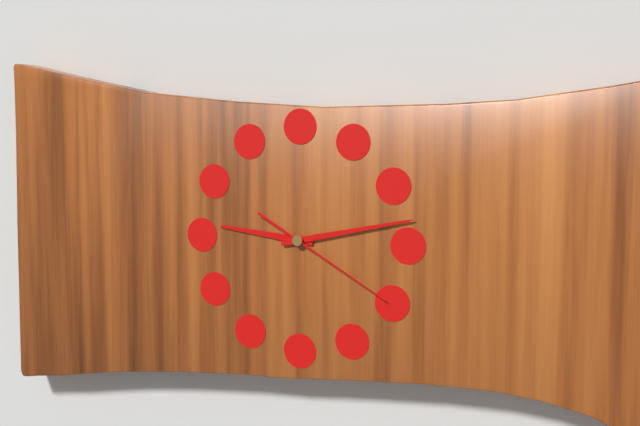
9.13.20
